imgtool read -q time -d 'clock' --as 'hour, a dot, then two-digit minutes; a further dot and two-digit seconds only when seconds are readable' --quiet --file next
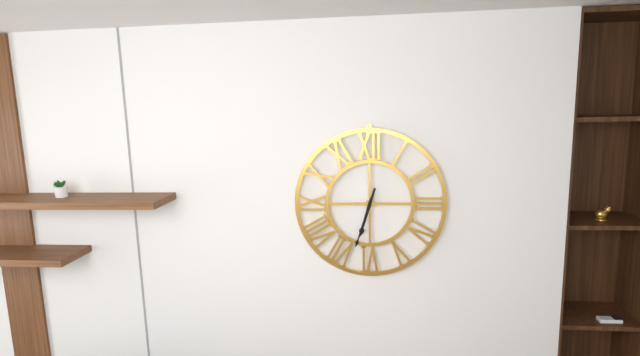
6.33
